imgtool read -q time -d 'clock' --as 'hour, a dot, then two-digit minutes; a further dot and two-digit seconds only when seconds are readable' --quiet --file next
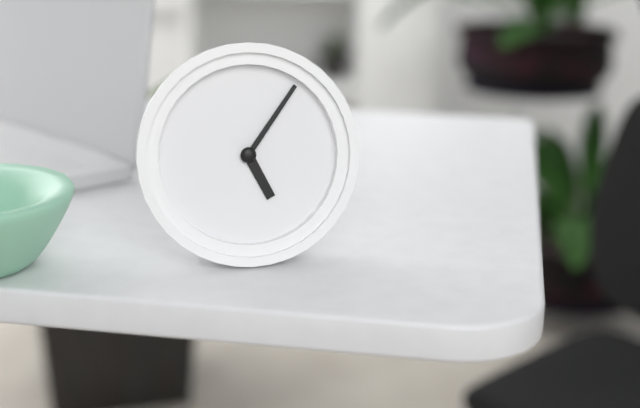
5.06
